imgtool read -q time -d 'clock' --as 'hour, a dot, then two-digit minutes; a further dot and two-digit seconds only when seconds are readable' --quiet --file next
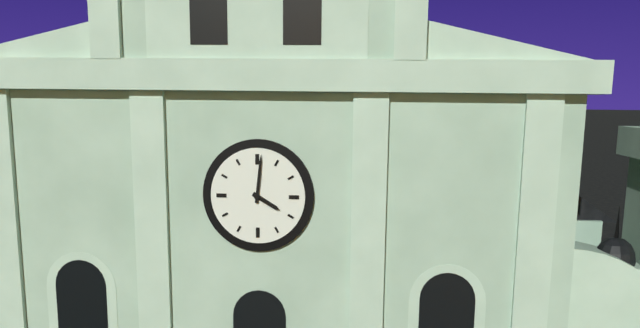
4.01
